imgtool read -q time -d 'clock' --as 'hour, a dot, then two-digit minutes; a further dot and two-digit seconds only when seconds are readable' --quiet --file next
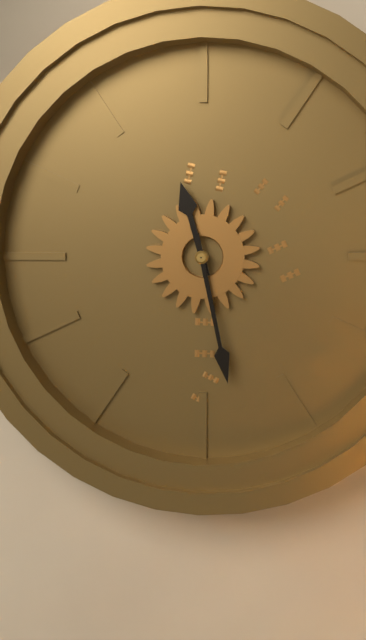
11.28
